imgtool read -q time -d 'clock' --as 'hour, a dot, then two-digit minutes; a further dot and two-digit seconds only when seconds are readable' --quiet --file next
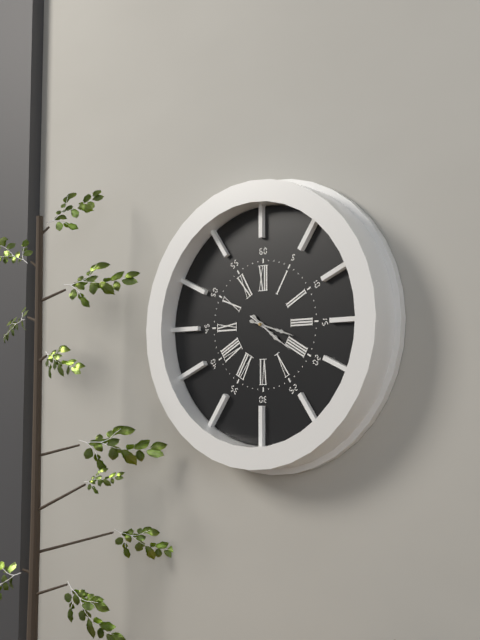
4.18
